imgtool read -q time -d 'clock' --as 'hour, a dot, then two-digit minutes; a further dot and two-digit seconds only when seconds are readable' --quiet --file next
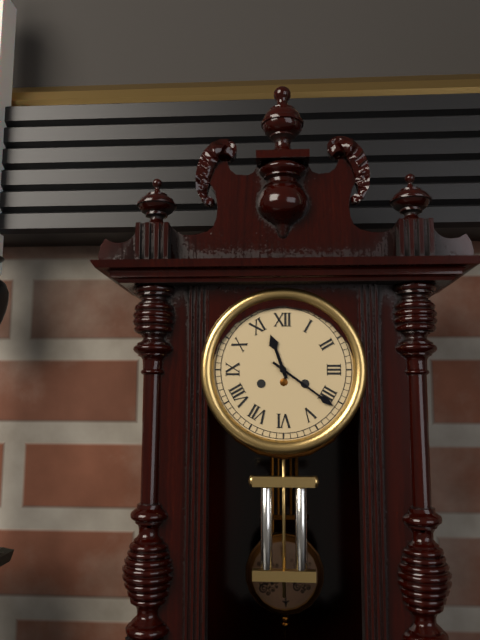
11.21
